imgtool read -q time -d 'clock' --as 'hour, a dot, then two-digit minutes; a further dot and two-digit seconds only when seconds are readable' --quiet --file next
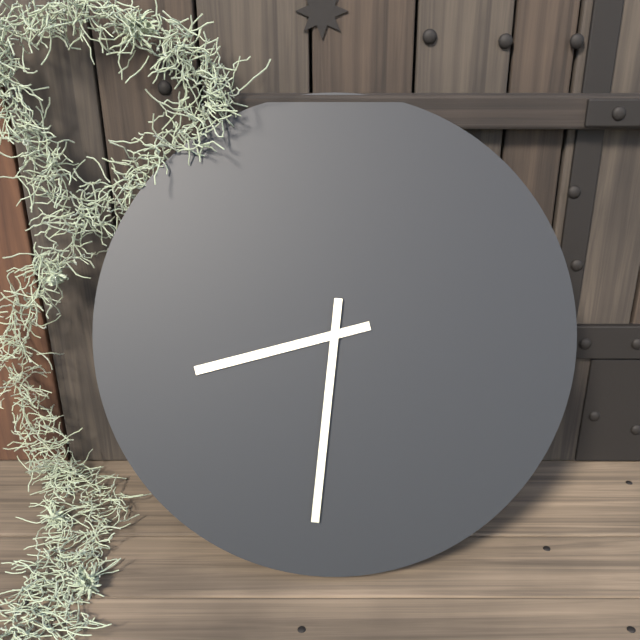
8.31
